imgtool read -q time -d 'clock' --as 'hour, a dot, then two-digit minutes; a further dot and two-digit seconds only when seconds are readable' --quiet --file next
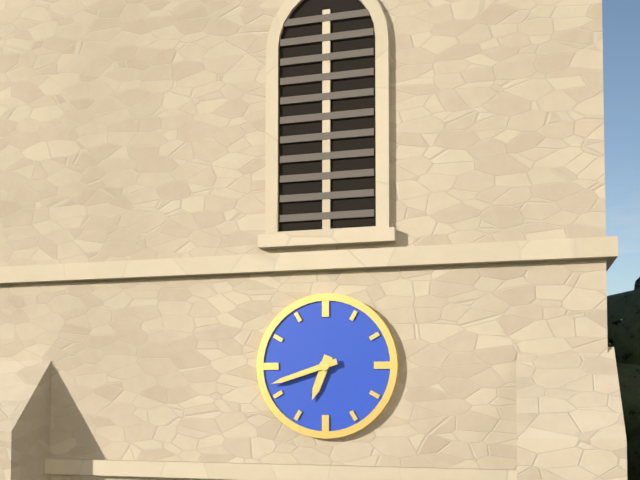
6.42
